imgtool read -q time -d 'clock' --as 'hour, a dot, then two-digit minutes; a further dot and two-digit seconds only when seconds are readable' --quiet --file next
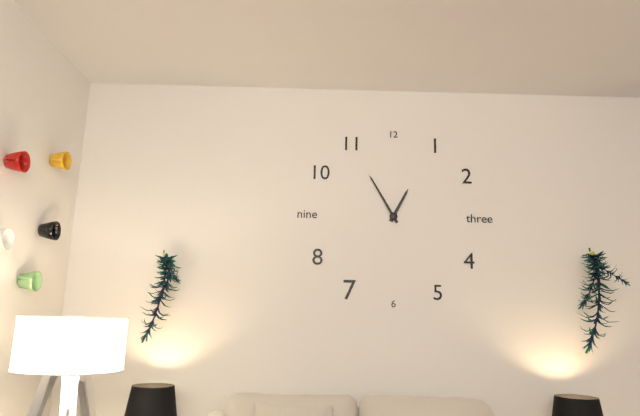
12.55
